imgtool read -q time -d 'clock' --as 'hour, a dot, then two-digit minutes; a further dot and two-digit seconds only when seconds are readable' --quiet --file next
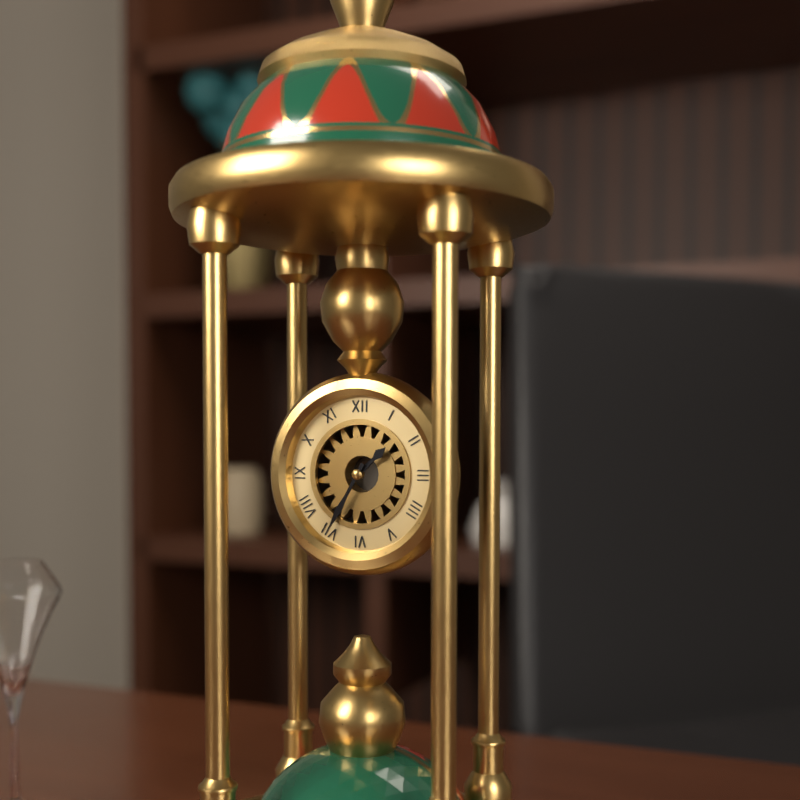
1.35
